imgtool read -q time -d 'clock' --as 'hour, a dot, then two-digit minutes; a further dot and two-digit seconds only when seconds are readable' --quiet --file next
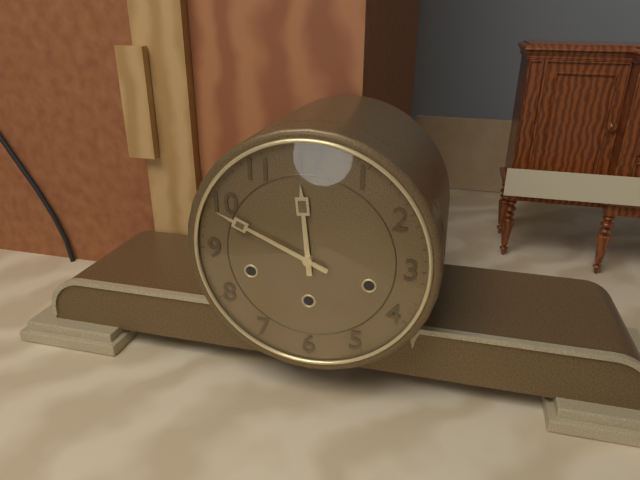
11.49
